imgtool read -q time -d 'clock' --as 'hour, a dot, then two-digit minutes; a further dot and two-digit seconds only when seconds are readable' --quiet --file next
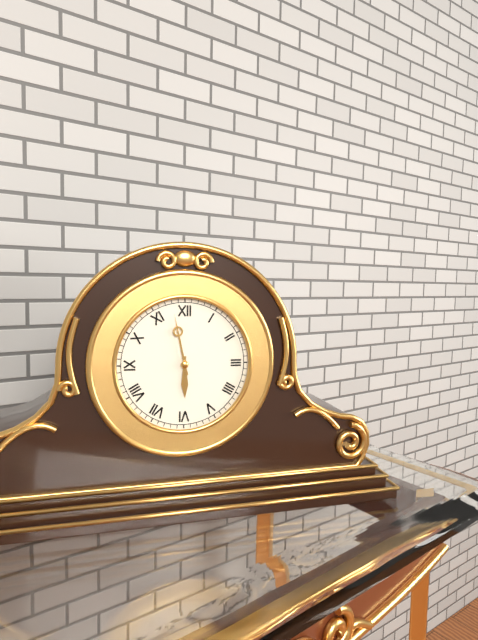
5.58
